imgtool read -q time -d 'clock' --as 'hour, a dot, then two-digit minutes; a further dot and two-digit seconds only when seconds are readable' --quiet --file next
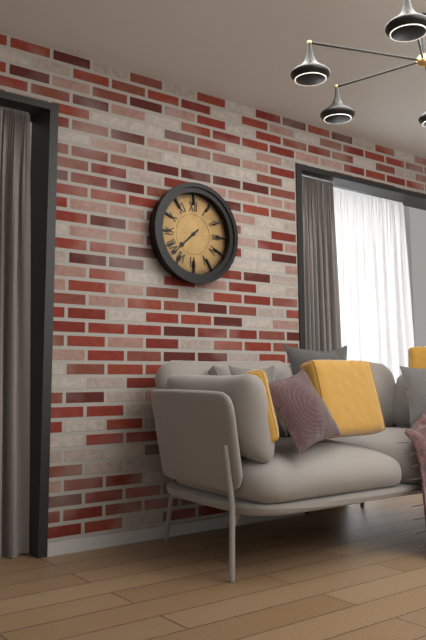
7.38
